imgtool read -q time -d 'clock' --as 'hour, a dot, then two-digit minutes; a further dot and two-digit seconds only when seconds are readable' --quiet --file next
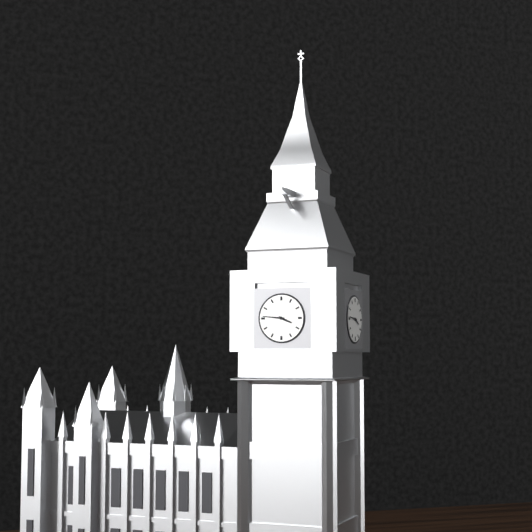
3.46
